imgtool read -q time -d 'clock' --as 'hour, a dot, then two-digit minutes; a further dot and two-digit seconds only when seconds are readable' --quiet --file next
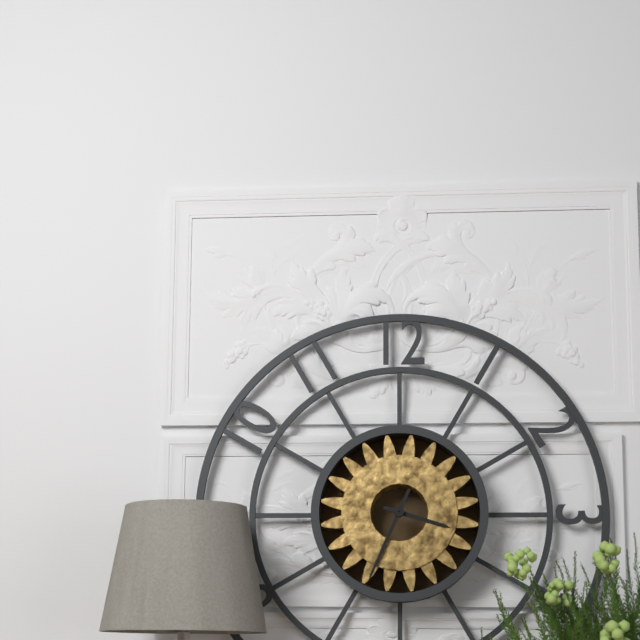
3.34
